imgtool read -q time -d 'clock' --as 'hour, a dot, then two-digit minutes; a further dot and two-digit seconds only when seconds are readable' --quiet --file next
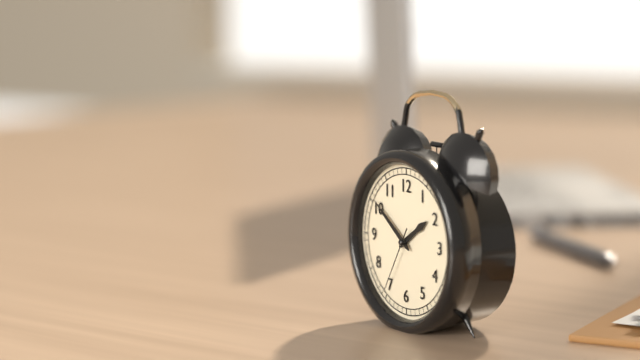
1.51.35
